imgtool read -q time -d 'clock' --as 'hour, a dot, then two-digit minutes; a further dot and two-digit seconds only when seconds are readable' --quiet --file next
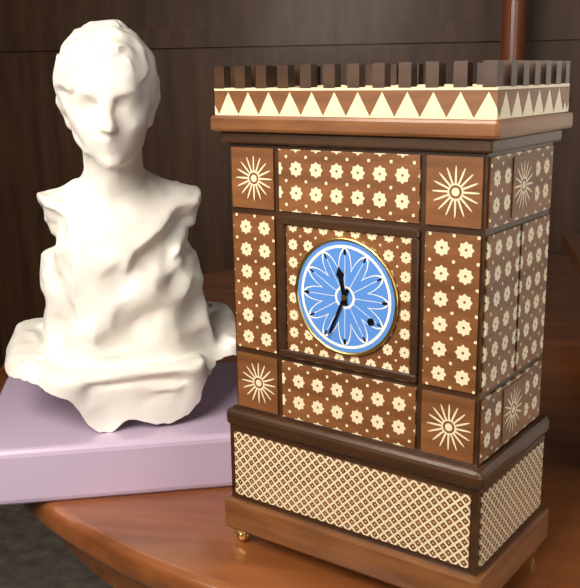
11.34
